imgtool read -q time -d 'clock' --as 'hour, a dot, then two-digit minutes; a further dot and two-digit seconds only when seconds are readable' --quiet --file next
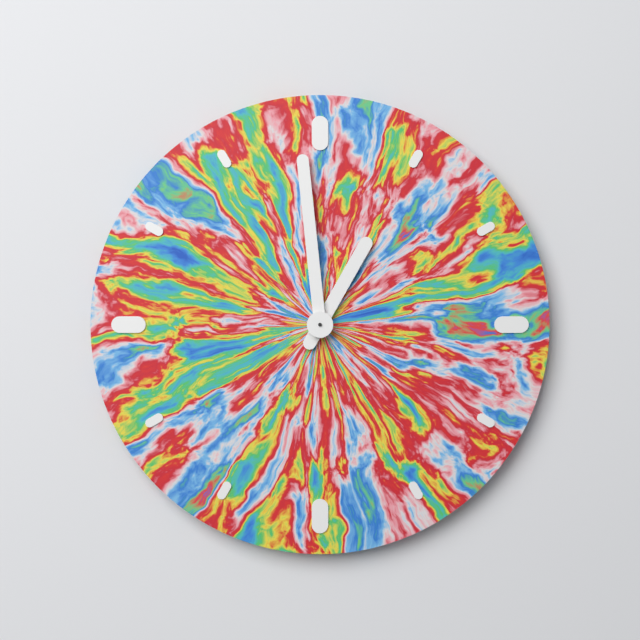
12.59
